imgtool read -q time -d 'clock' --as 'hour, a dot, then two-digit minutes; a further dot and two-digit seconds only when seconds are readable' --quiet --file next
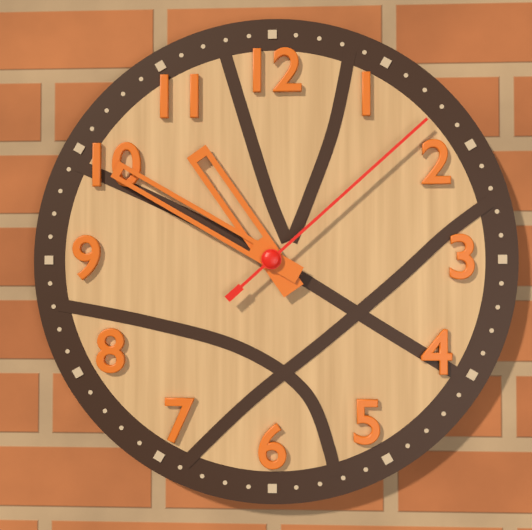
10.50.08
